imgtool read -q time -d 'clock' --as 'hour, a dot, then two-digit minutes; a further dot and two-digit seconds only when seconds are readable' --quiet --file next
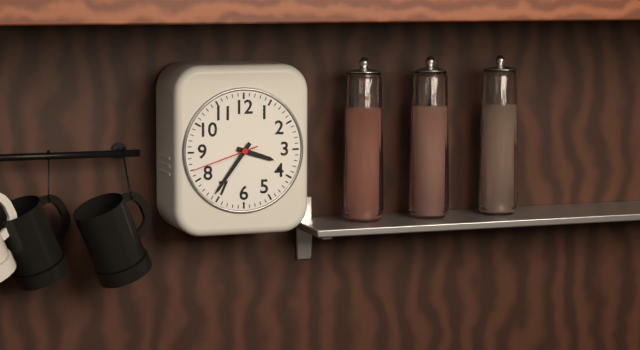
3.36.42
